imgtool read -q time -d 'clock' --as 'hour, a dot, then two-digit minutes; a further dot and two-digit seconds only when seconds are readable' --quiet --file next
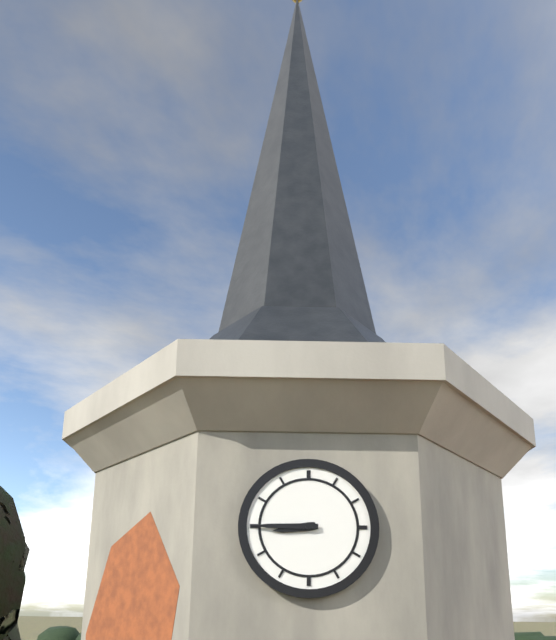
8.45
